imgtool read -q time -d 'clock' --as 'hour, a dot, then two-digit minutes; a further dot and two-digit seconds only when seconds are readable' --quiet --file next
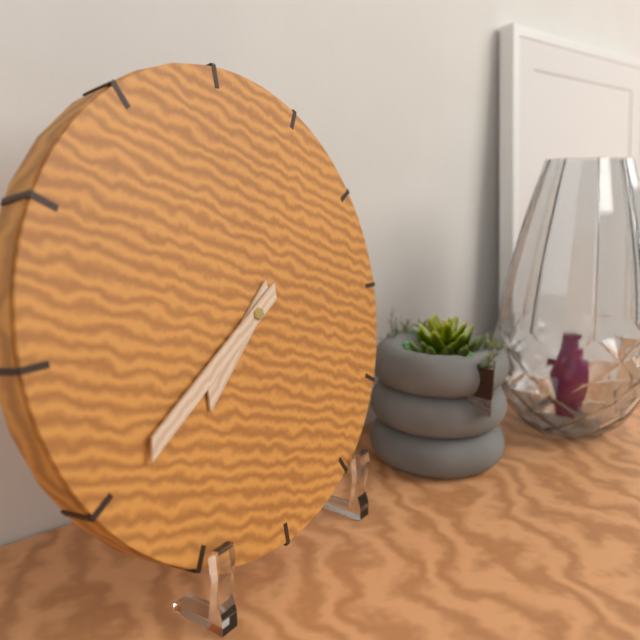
7.40
